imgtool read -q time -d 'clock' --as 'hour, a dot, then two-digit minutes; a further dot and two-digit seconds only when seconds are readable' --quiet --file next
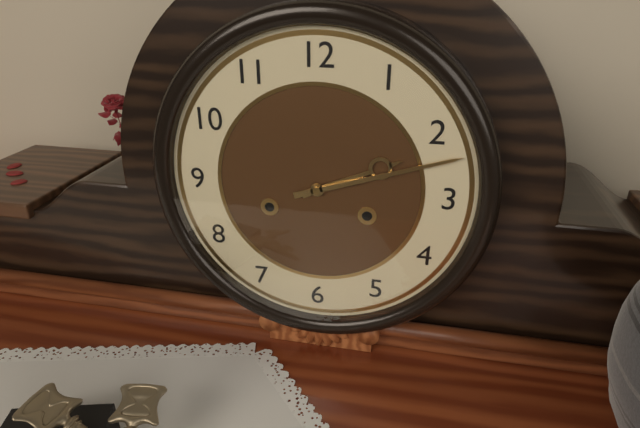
2.12
